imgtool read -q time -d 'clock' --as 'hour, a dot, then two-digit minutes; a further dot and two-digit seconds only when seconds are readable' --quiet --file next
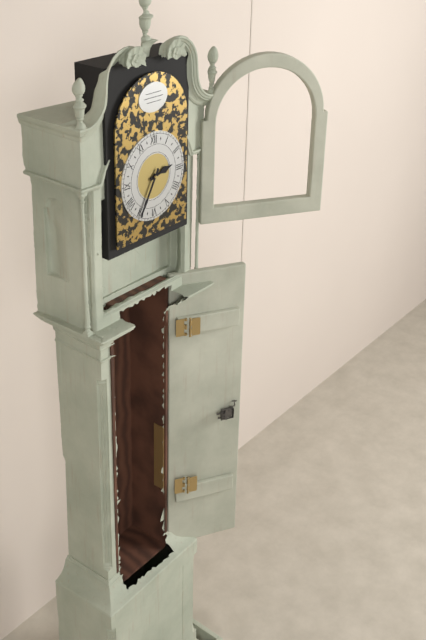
2.35
